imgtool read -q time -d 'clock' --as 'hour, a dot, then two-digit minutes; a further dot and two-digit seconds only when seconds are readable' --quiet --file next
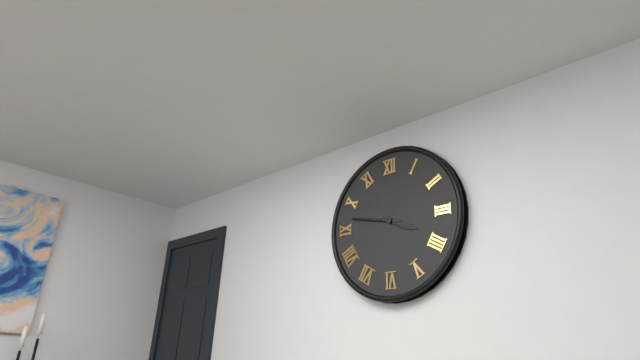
3.47
